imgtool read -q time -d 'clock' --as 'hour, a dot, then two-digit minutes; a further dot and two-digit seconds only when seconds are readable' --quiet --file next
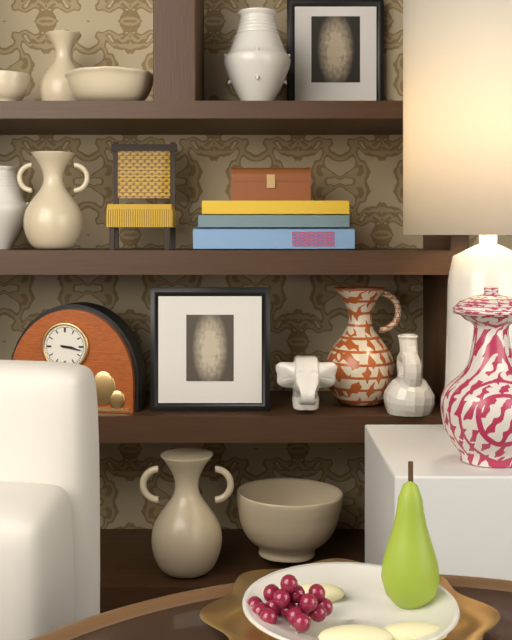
3.17
